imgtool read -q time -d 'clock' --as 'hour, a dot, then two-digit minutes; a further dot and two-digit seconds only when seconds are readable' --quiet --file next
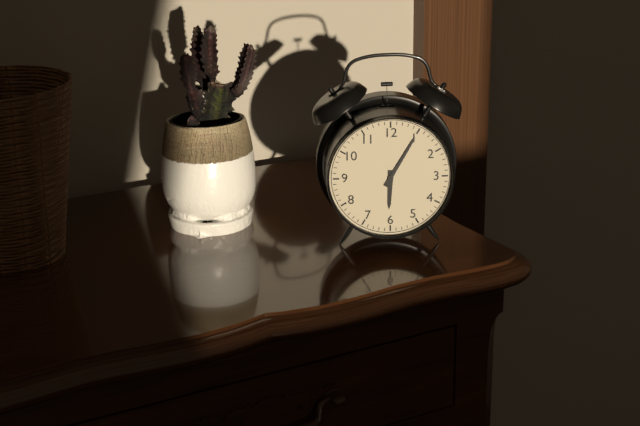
6.05
